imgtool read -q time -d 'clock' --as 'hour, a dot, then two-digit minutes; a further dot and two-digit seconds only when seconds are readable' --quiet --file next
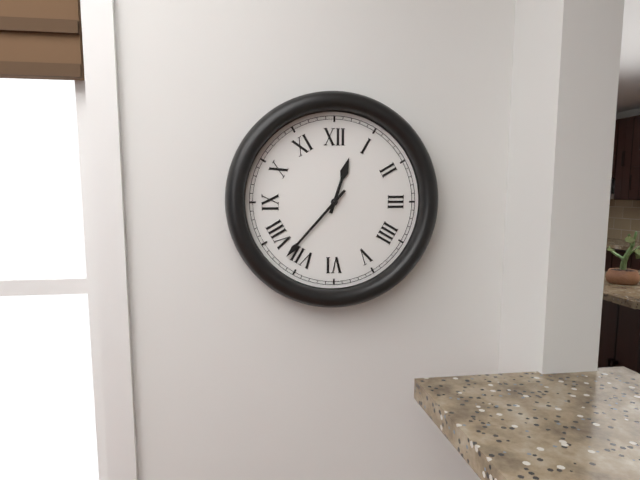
12.37
